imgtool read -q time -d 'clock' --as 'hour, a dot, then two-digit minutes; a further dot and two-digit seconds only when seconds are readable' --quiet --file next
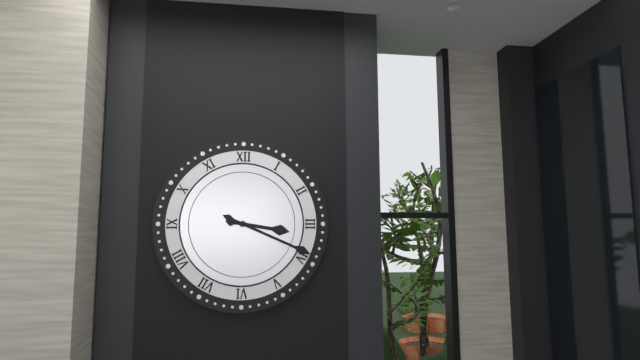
3.19
